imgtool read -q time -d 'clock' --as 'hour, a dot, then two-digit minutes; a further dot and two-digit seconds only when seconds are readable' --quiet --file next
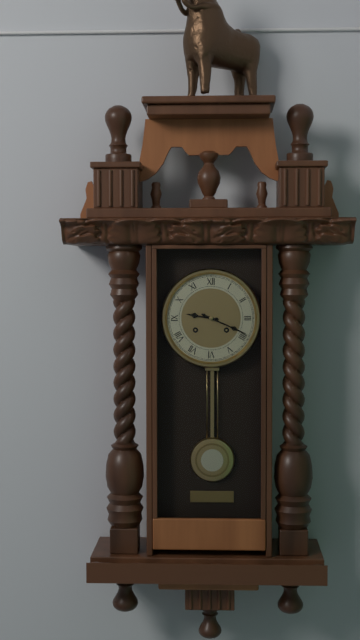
9.19
